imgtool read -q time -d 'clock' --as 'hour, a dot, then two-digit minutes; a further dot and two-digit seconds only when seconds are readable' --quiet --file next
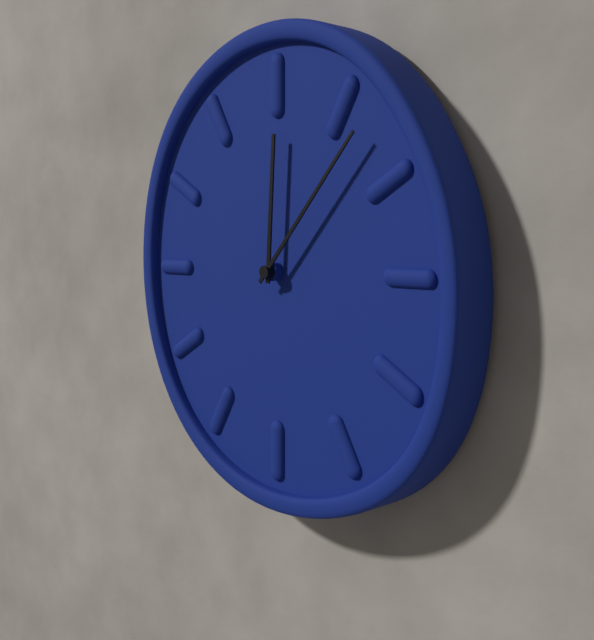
12.07
